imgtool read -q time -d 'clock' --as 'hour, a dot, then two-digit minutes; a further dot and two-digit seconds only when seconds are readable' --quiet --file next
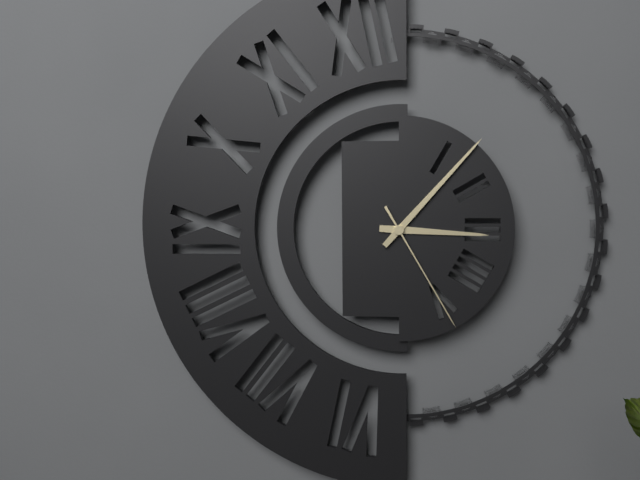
3.07.25
